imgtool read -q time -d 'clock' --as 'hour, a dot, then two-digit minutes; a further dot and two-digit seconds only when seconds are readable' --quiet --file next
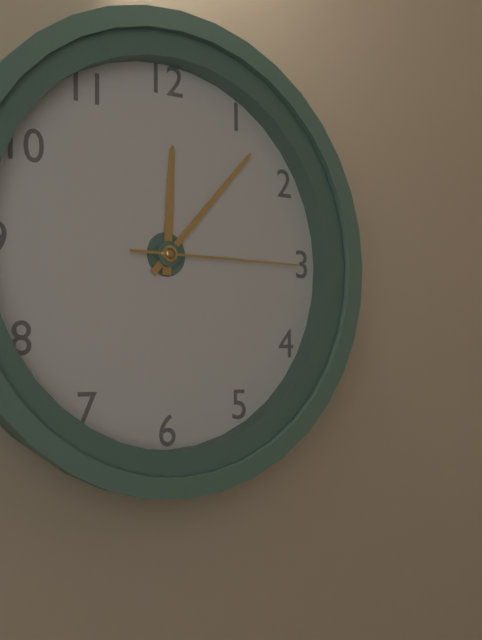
12.07.15
